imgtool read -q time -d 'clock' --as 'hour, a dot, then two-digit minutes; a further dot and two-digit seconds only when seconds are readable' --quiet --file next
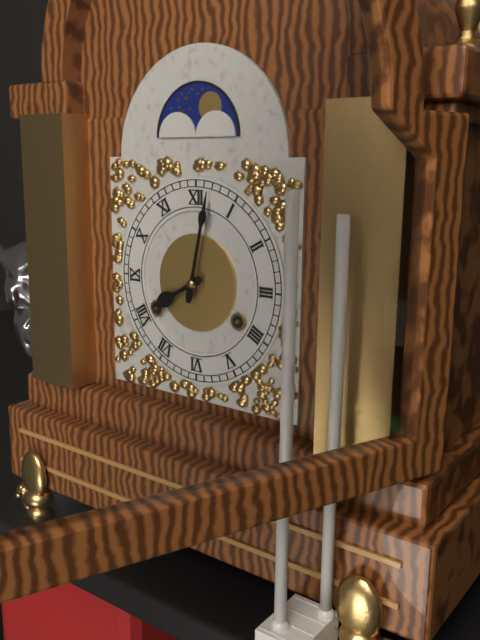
8.02
